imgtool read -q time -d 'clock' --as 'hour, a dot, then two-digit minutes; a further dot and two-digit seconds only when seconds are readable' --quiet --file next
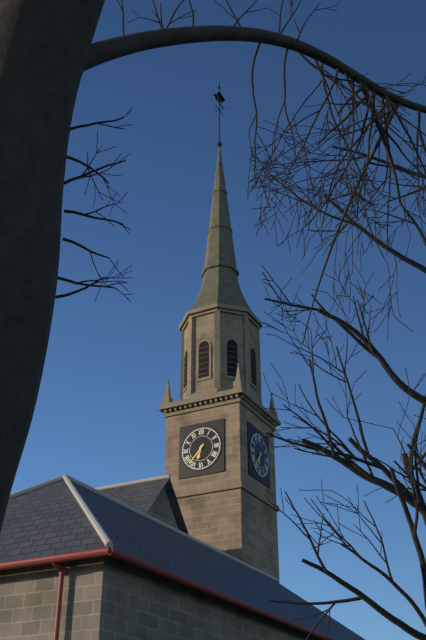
6.37
